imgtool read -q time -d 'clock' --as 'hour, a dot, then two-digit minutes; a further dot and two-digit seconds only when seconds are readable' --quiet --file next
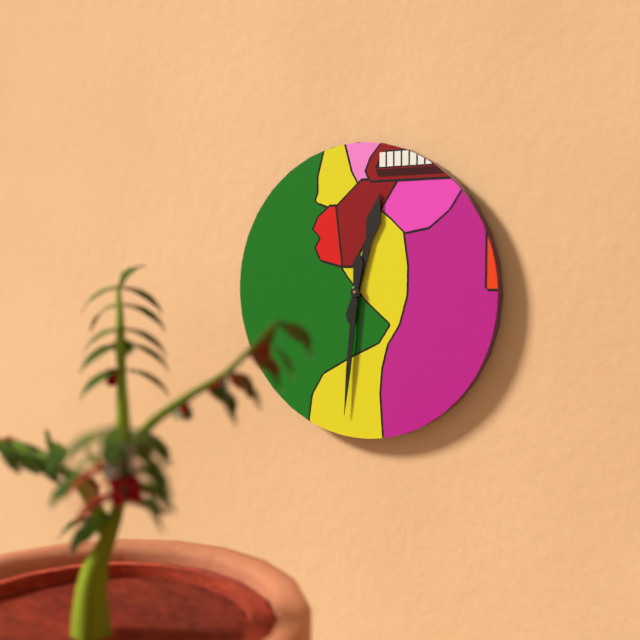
12.31
